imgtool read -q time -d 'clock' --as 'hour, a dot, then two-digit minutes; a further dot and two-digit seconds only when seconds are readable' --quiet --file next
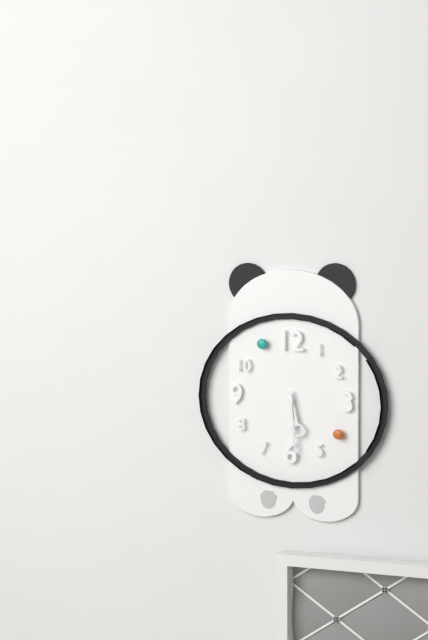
5.29
